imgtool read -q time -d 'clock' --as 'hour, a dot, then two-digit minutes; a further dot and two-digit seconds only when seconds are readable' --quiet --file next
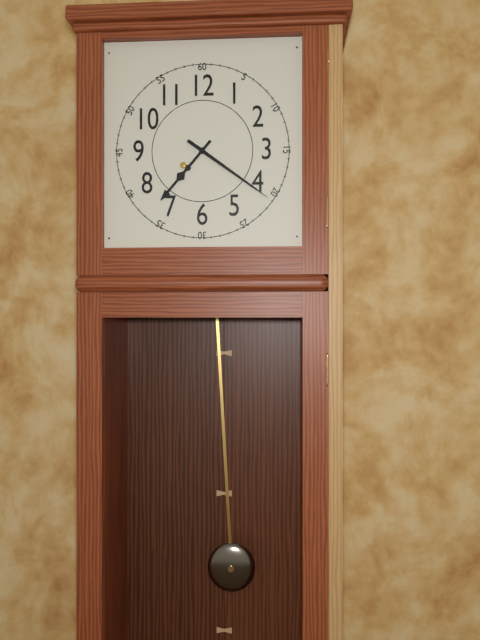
7.21
